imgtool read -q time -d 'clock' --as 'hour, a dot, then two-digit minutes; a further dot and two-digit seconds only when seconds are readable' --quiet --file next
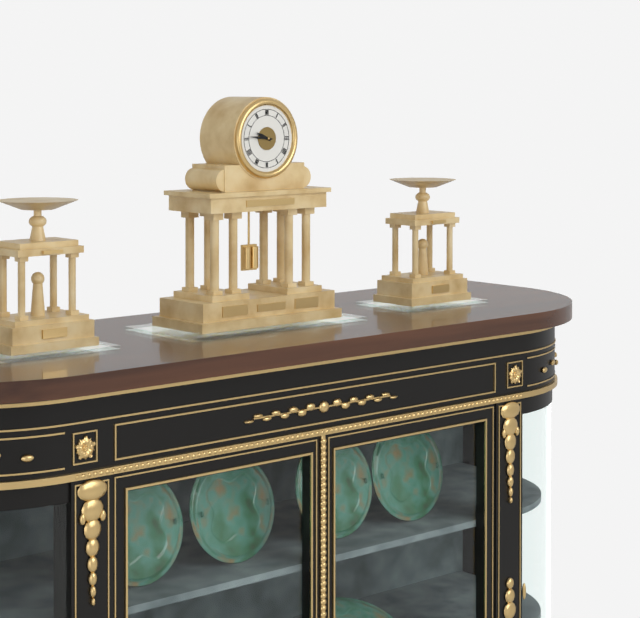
9.46
